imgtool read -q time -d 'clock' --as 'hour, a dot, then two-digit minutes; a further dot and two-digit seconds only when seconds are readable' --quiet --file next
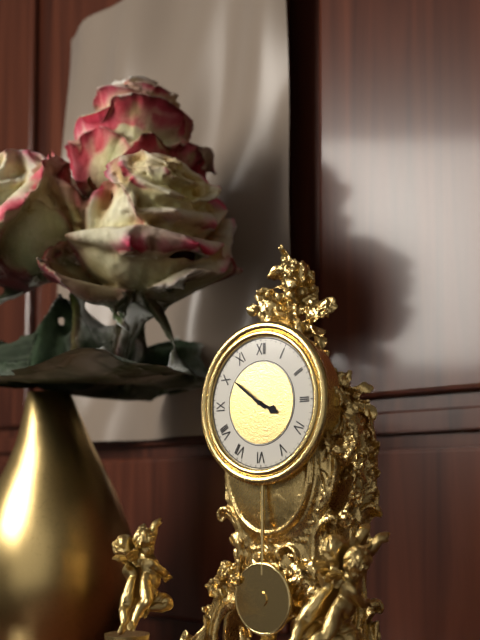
3.51
